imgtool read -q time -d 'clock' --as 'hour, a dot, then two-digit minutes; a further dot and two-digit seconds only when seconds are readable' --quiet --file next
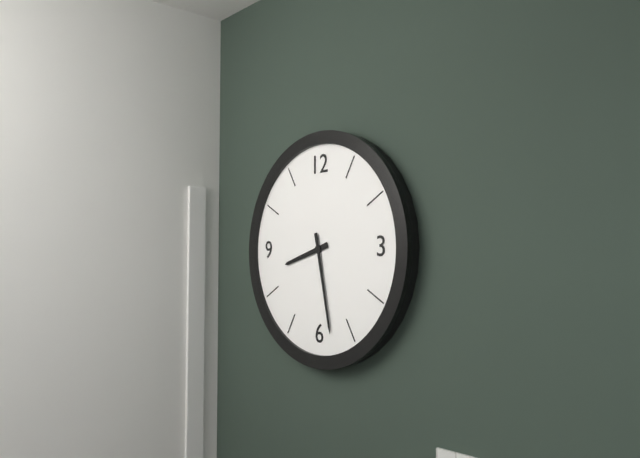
8.28
